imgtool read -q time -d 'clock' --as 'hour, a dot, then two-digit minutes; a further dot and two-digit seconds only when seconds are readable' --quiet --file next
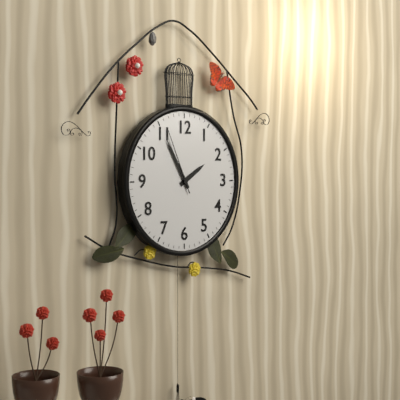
1.55.56
